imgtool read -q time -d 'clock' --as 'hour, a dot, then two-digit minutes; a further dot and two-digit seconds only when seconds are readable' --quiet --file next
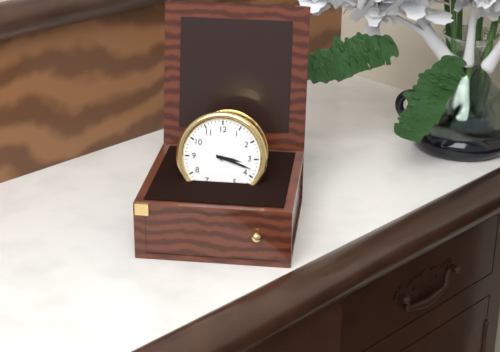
3.18
